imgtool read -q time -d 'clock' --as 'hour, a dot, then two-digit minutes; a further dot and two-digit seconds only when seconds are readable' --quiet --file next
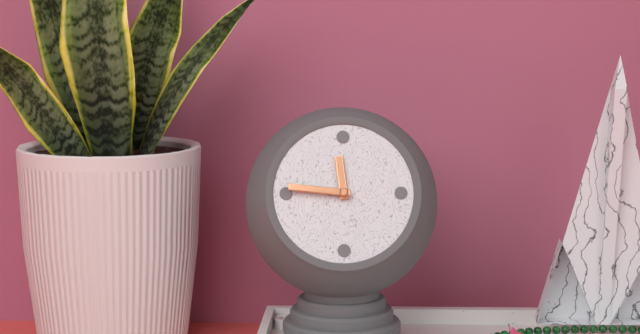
11.46
